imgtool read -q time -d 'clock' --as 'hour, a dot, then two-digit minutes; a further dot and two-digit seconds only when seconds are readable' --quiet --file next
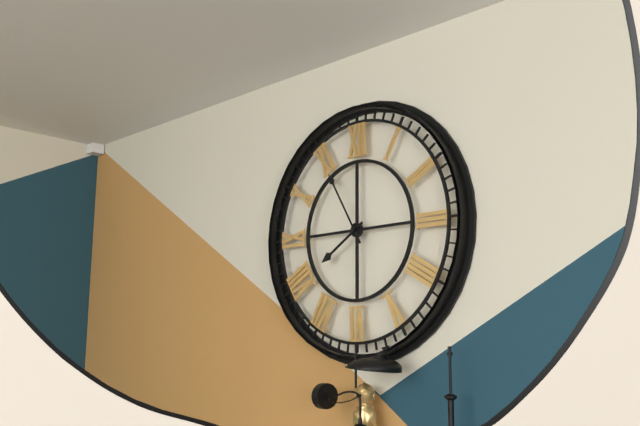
7.55
